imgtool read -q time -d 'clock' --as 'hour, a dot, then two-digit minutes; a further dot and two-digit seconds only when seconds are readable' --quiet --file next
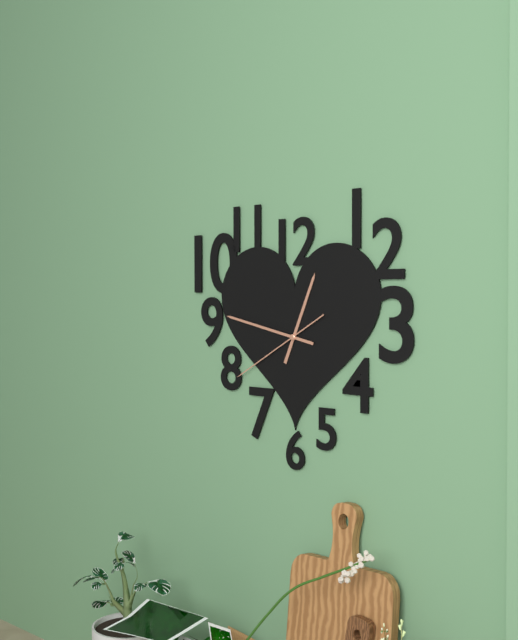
12.47.40
